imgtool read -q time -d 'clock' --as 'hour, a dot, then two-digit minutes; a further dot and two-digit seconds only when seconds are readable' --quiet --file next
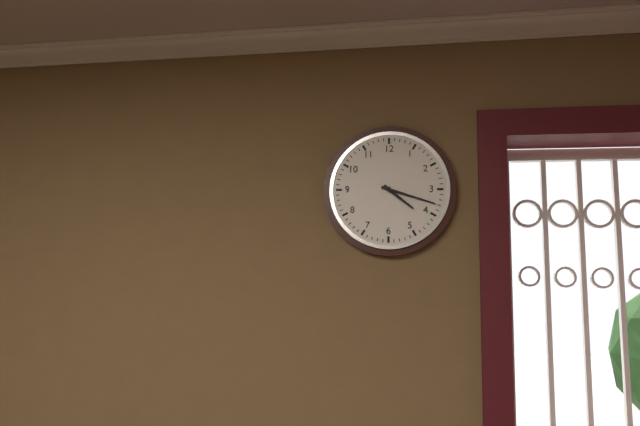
4.18
